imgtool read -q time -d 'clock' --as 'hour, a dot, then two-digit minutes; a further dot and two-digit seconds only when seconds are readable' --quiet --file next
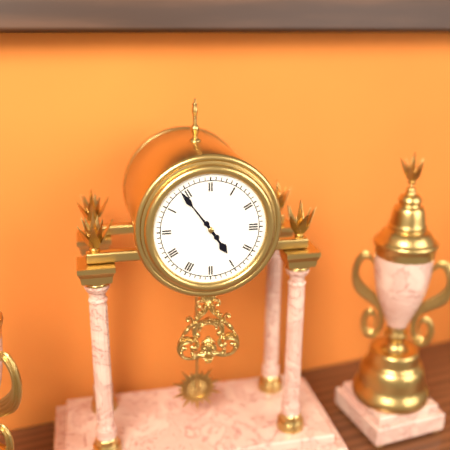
4.54
